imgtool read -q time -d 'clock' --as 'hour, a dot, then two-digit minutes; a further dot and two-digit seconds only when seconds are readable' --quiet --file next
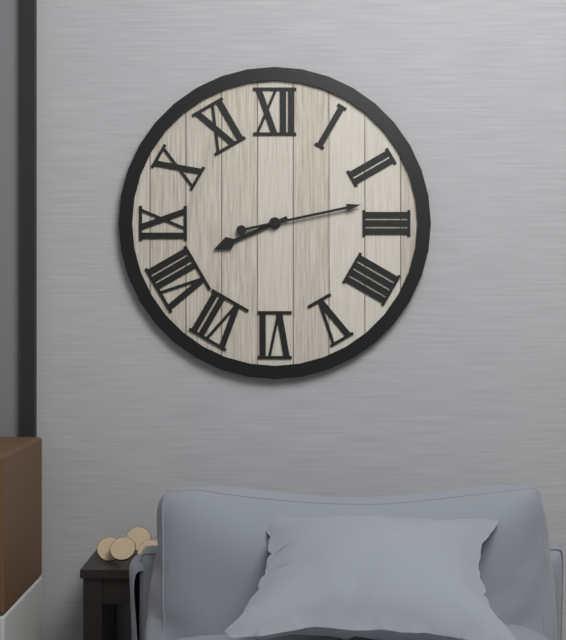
8.13
